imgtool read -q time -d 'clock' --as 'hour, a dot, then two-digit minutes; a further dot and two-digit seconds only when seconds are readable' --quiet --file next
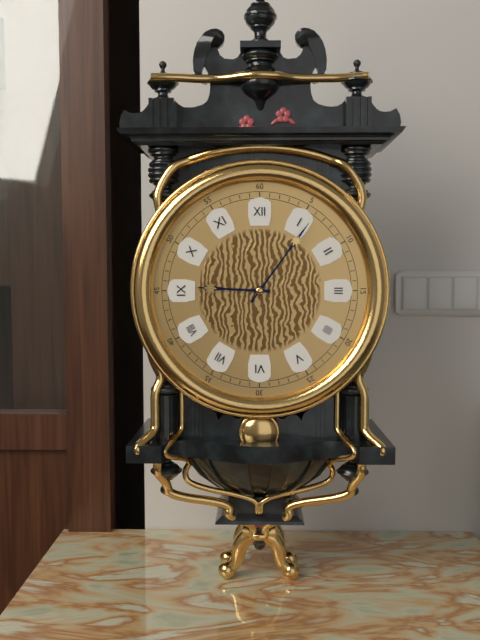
9.06
